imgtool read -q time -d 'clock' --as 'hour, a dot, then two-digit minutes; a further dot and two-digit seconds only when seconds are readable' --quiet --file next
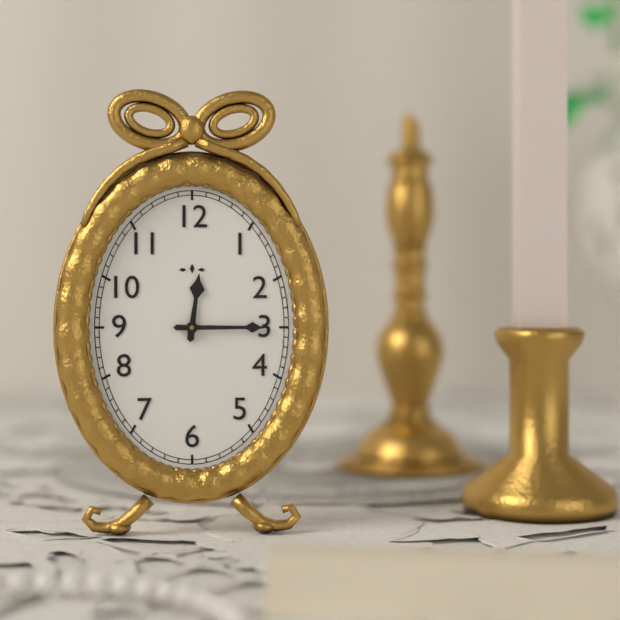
12.15
